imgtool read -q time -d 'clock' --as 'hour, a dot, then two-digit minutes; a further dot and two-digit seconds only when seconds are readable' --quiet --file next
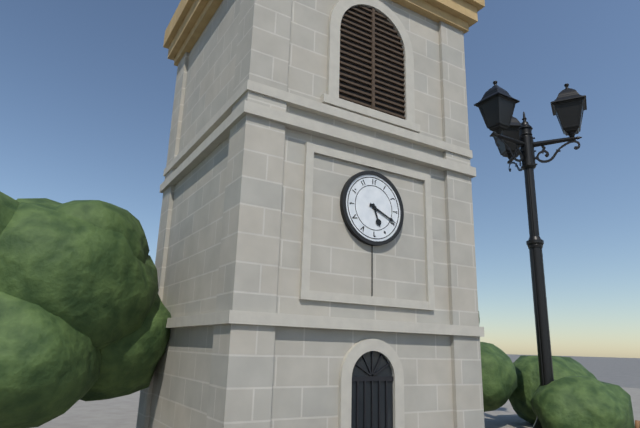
5.19
